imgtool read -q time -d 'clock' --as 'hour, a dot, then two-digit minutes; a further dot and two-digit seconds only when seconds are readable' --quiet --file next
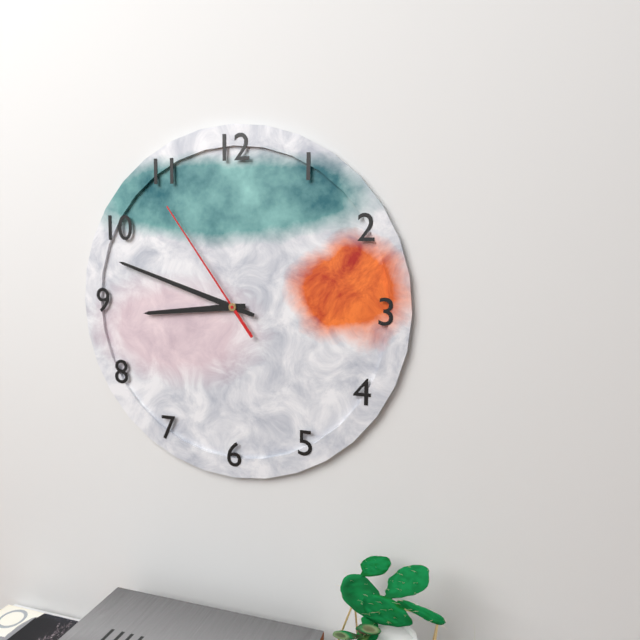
8.48.54
